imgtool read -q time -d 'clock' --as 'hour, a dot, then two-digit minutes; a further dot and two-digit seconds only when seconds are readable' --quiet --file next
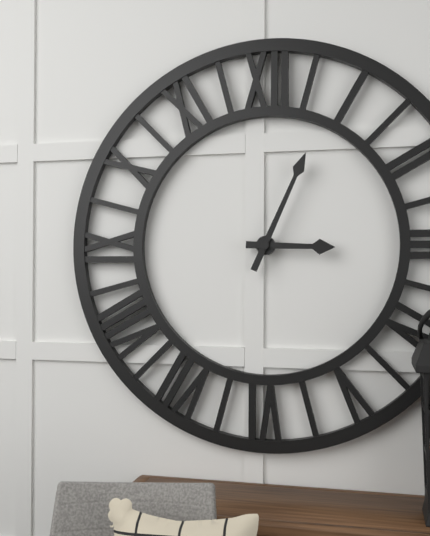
3.04
